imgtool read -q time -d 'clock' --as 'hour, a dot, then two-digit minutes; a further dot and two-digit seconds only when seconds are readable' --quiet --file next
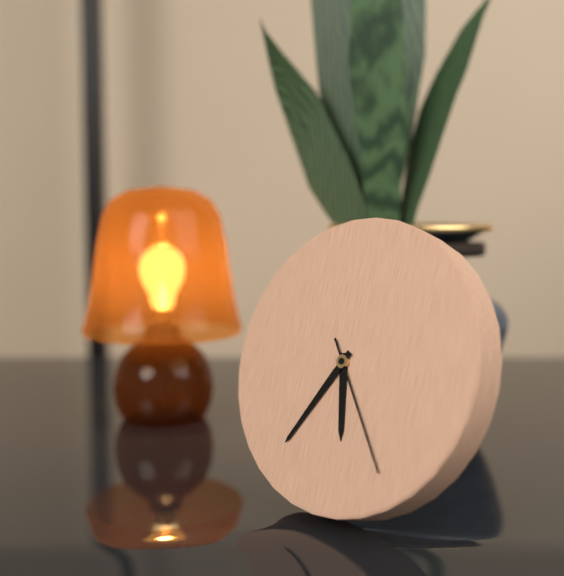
5.35.24
